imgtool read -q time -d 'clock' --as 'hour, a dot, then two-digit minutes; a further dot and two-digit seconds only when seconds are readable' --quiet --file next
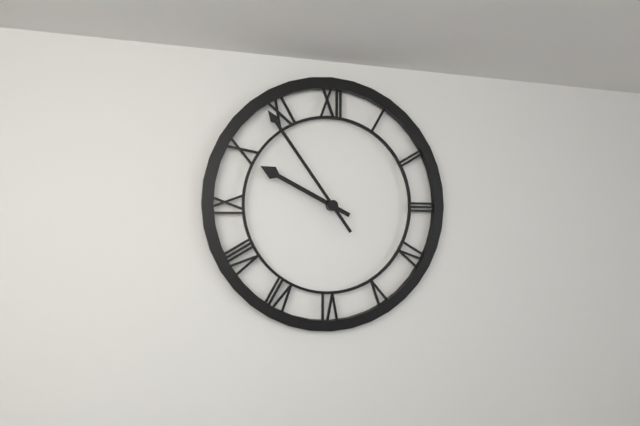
9.54
